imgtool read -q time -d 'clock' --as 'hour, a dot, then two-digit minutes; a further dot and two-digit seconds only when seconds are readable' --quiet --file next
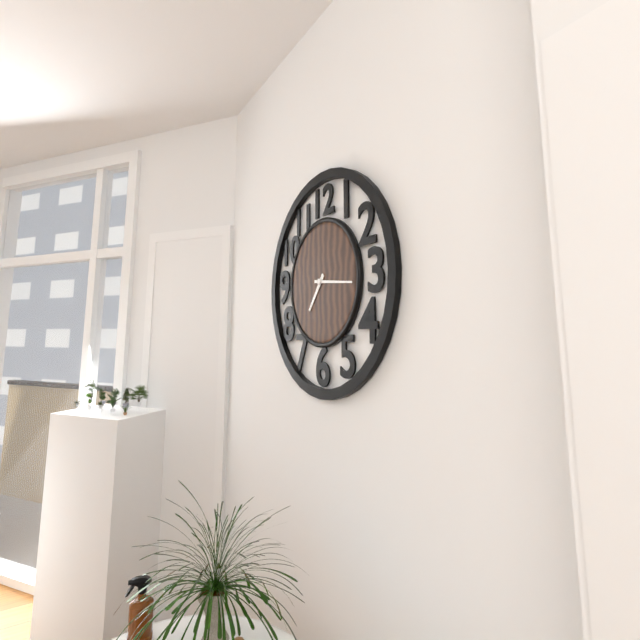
7.16
